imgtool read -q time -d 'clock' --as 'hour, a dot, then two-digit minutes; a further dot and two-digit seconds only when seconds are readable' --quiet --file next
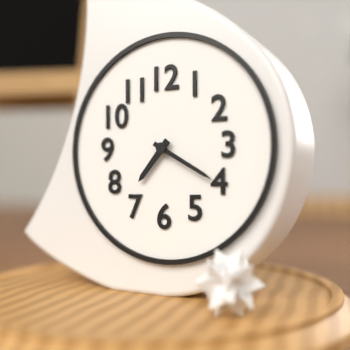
7.20
